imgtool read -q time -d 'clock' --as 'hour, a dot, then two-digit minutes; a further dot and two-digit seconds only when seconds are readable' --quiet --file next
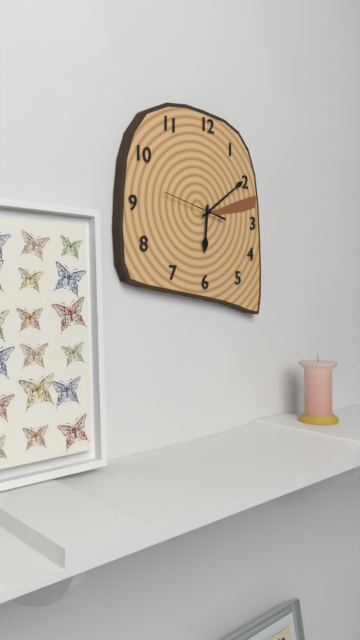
6.09
